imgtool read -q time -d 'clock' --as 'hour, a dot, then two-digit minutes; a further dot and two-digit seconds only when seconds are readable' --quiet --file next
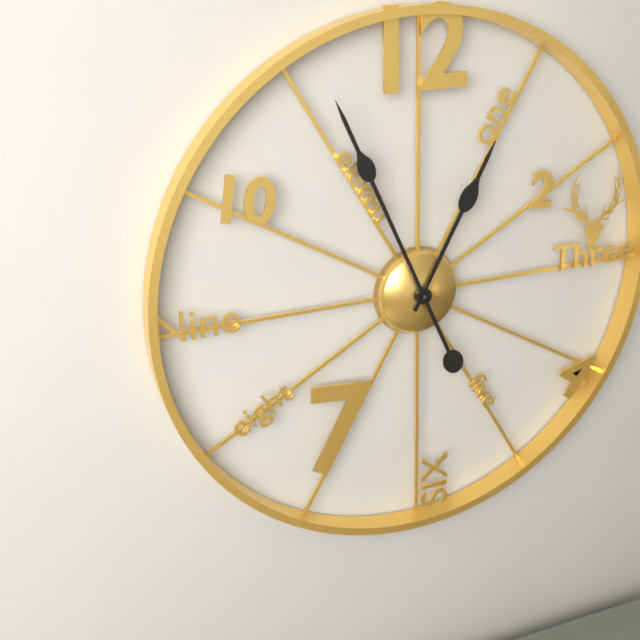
12.56
